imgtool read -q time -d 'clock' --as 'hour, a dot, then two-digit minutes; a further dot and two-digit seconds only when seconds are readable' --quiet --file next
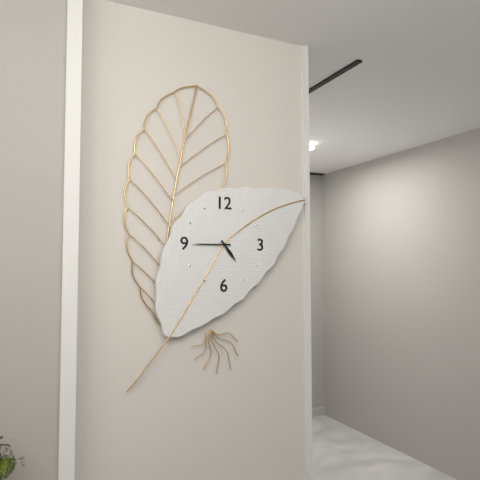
4.45
